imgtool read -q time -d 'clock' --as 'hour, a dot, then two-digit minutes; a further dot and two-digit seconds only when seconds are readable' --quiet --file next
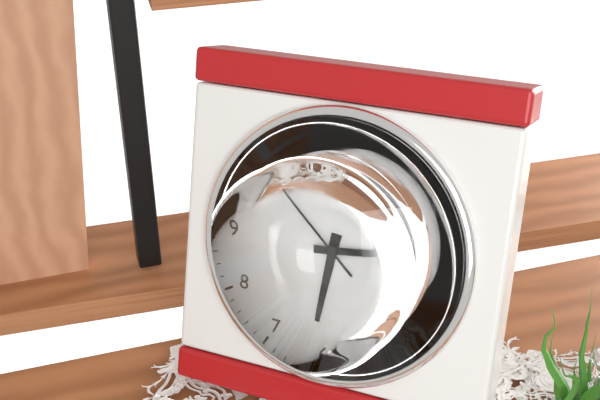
6.14.52
